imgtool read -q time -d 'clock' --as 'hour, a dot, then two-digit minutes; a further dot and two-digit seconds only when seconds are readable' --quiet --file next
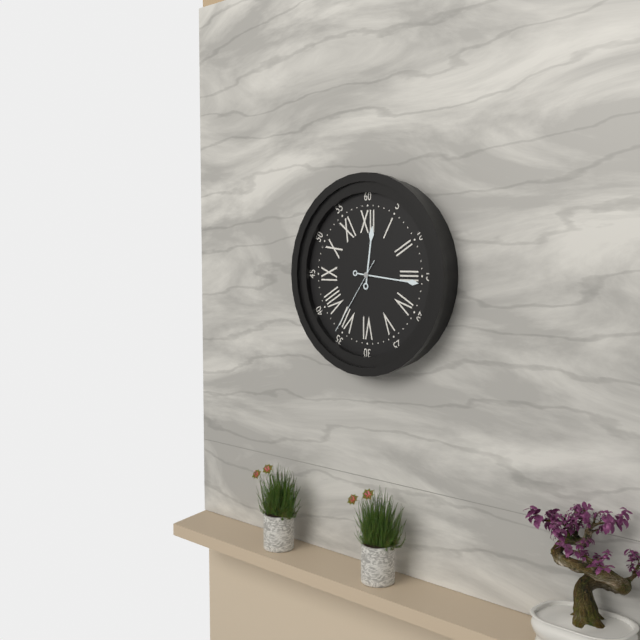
12.16.36
